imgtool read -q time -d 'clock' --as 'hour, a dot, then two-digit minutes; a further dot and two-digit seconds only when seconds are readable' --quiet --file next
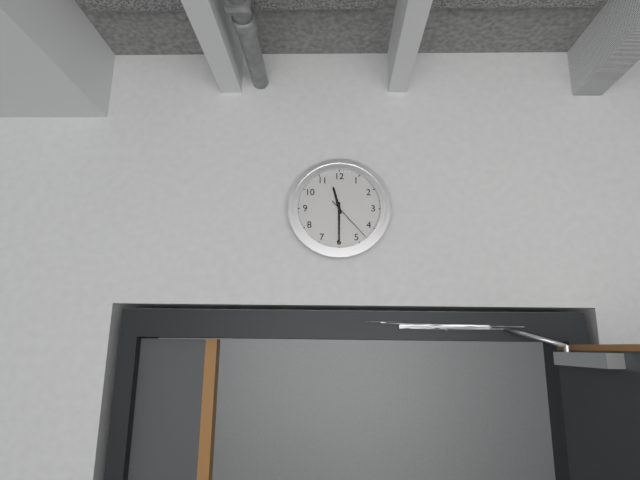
11.30.23
